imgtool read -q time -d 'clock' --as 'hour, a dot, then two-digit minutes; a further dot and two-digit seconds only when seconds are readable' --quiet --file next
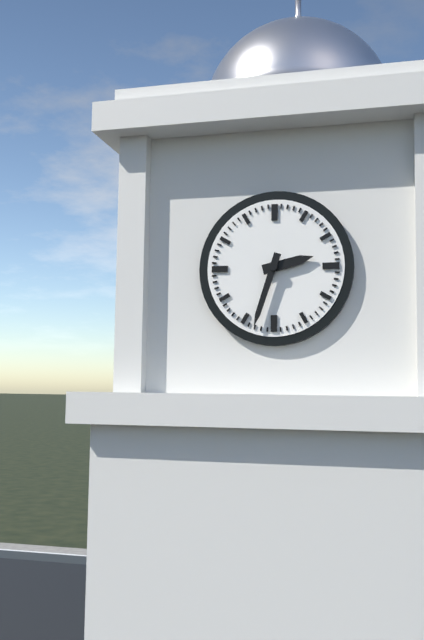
2.33
